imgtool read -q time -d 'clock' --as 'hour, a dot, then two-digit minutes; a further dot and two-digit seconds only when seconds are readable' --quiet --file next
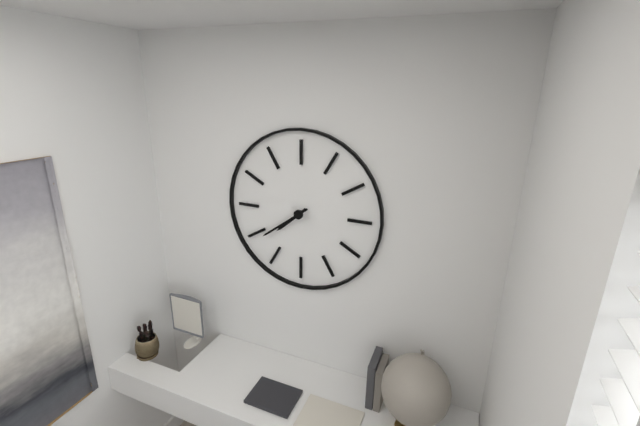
7.39
